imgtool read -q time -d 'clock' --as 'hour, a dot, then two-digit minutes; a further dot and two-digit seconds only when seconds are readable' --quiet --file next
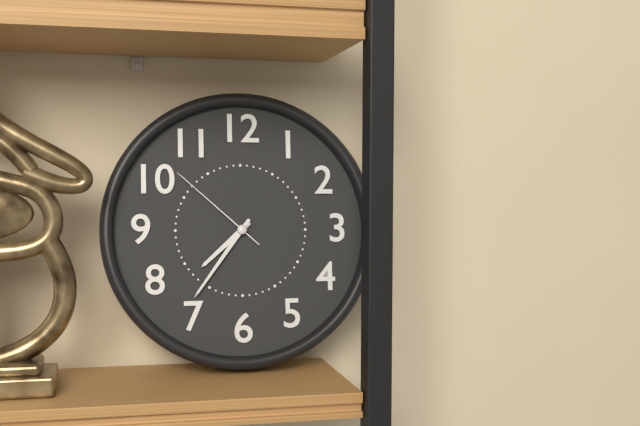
7.36.52
